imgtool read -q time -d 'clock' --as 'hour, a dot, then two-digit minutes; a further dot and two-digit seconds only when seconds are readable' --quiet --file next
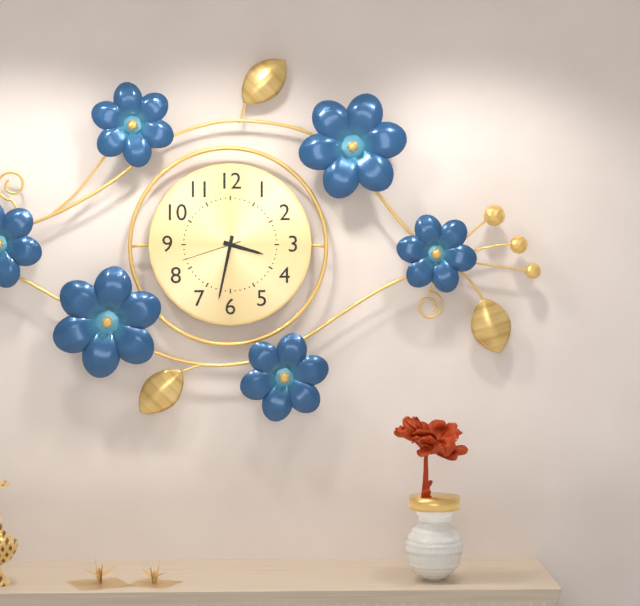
3.32.42
